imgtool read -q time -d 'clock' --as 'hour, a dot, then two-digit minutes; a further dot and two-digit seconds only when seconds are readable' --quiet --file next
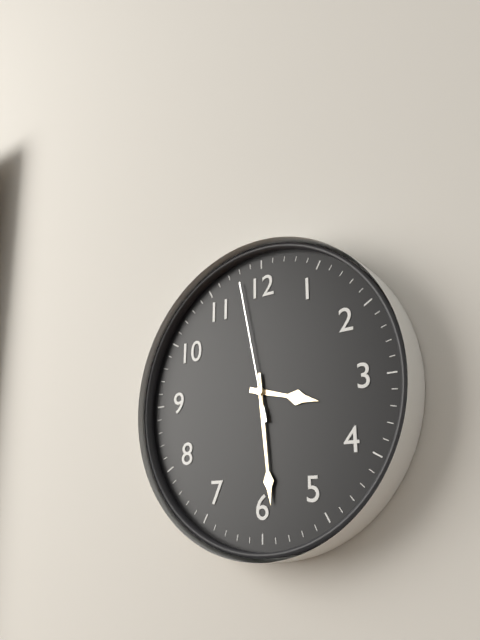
3.29.58
